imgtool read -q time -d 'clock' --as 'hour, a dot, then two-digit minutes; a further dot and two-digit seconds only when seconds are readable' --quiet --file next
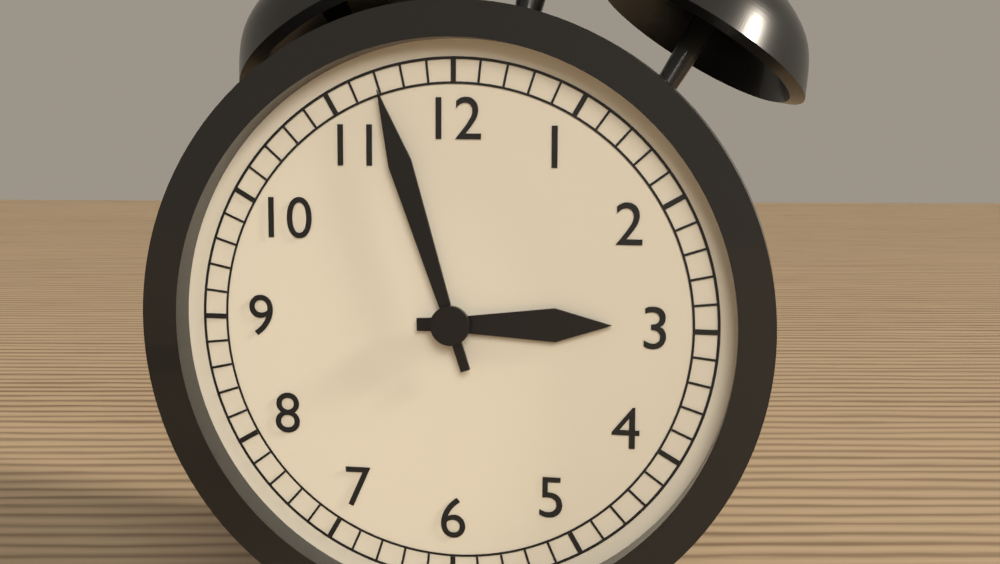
2.57
